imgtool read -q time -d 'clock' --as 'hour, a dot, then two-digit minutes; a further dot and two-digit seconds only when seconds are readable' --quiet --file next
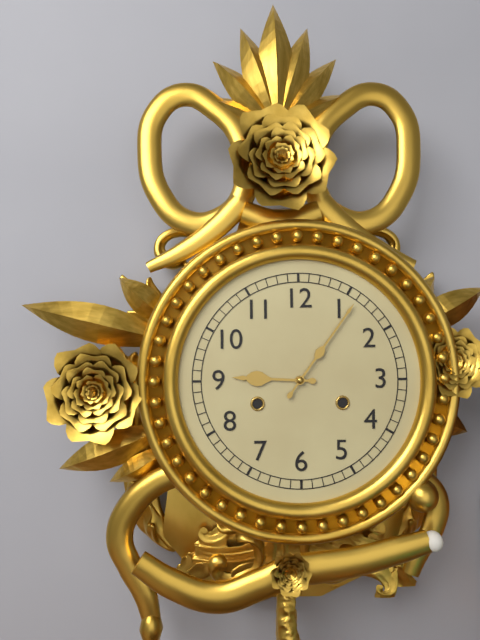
9.06
